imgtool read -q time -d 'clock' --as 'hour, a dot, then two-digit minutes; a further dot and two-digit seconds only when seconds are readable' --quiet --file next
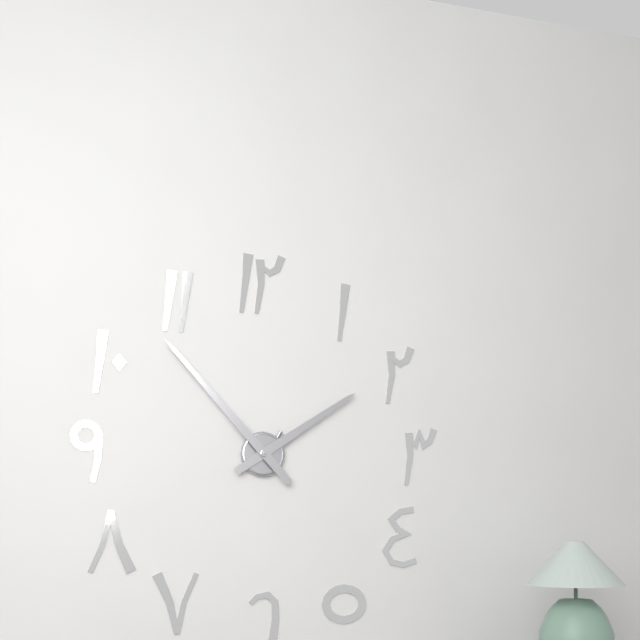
1.53
